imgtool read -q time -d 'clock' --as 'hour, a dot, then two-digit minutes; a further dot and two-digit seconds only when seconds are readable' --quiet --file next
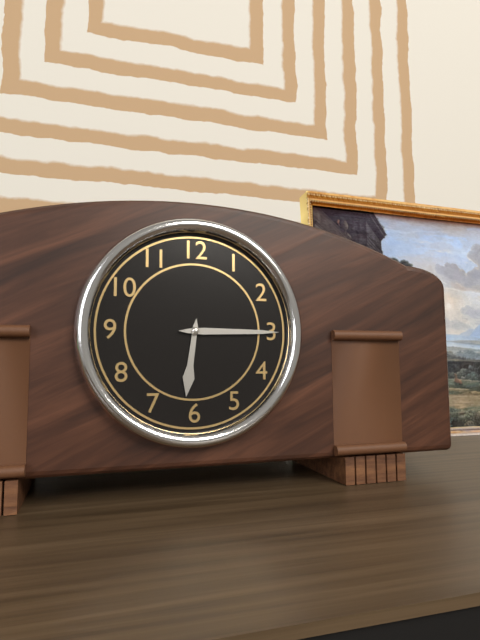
6.15
